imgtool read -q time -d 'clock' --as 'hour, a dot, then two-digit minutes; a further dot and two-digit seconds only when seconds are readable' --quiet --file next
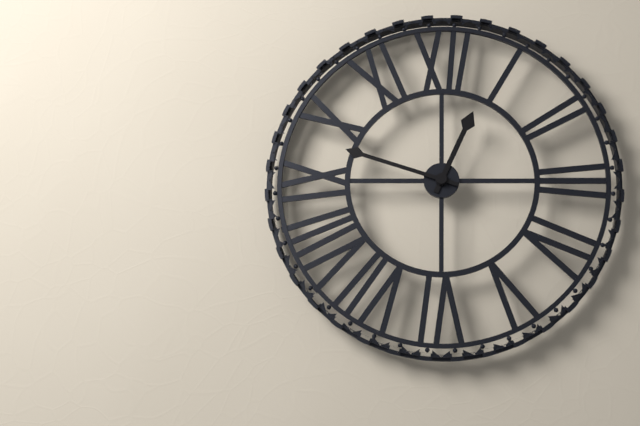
12.48
